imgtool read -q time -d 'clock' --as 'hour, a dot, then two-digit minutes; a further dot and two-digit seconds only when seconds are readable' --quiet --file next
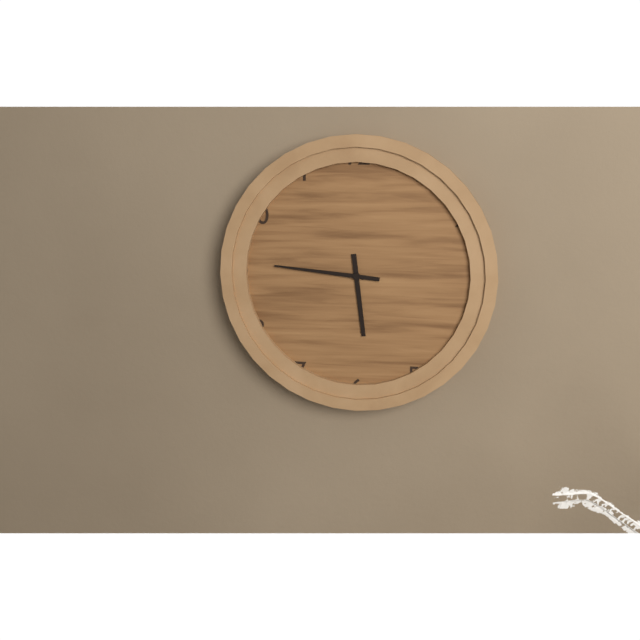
5.46
